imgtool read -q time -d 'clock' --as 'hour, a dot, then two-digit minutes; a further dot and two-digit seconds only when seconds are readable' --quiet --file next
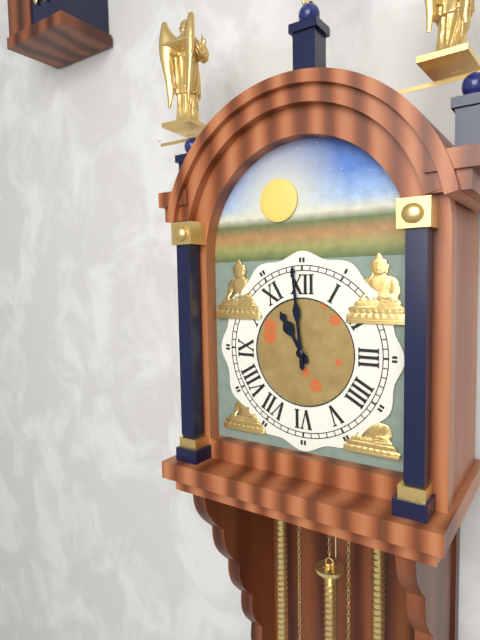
10.59
